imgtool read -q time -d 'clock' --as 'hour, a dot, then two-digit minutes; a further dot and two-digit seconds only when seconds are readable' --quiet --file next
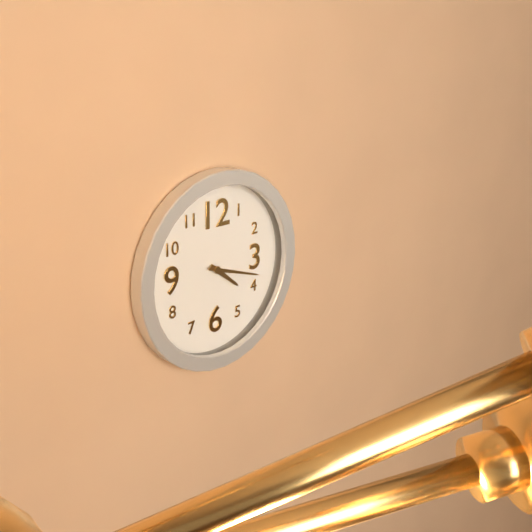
4.18
